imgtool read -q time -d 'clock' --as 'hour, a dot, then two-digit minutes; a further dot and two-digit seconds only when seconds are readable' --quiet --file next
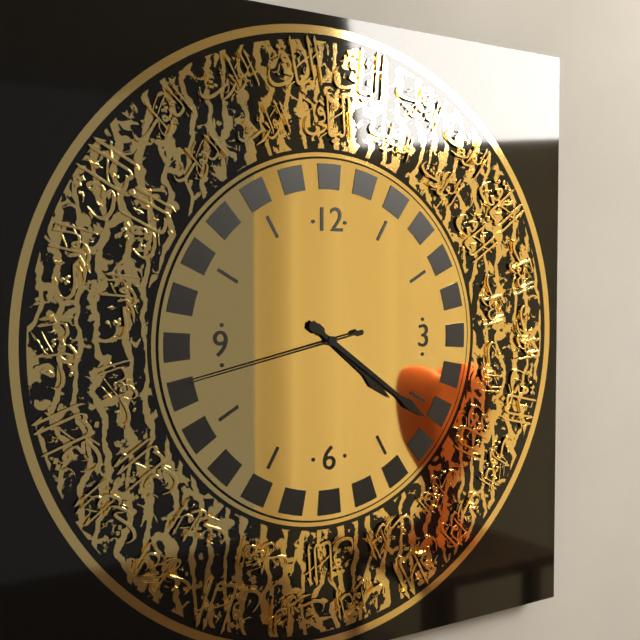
4.21.43
